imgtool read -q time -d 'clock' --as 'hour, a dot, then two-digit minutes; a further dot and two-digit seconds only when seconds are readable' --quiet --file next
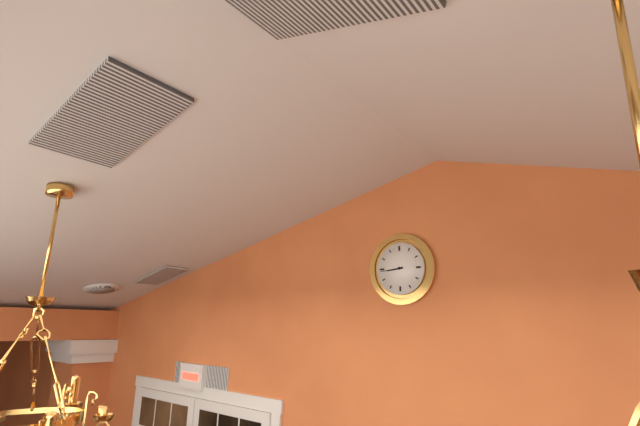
8.44
